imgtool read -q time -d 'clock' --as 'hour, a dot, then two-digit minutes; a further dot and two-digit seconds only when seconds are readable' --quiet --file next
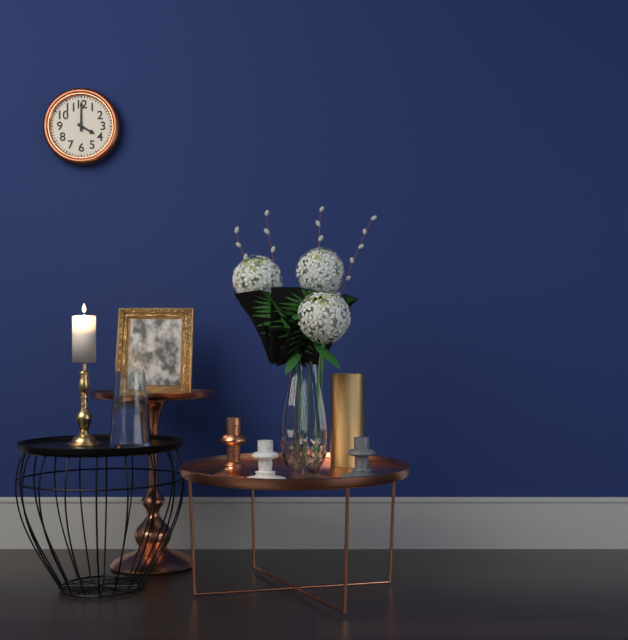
4.00
